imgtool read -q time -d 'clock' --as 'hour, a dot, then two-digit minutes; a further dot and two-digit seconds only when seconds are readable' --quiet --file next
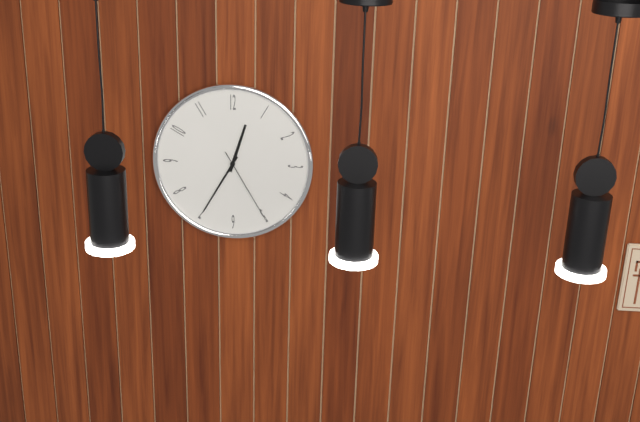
12.35.25
